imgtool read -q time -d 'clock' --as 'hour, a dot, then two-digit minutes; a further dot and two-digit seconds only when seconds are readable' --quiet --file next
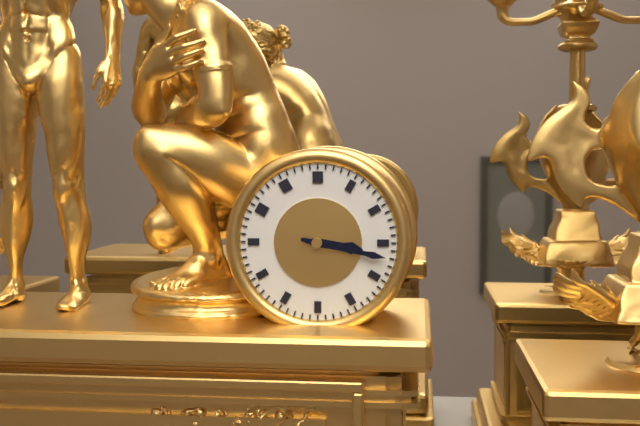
3.17
